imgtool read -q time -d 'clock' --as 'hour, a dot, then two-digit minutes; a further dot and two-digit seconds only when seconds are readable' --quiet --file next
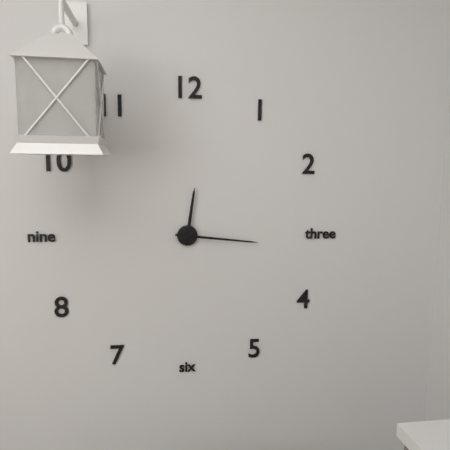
12.16
